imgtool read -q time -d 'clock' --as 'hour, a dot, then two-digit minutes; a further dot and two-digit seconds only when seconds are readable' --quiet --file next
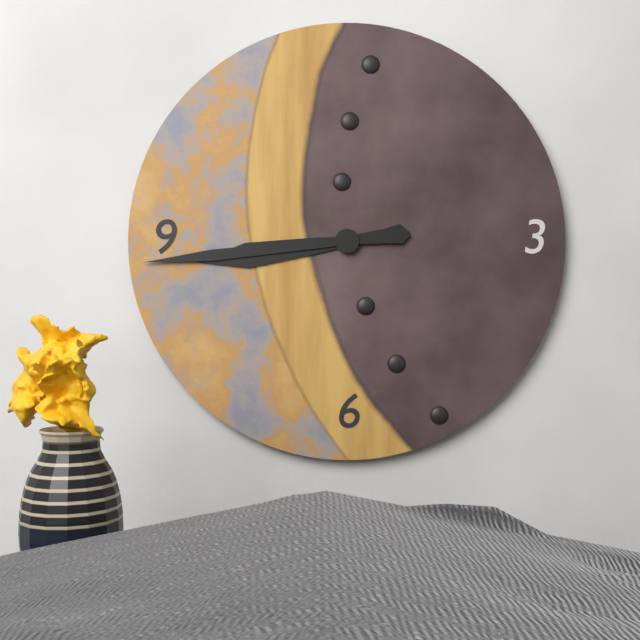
8.44
